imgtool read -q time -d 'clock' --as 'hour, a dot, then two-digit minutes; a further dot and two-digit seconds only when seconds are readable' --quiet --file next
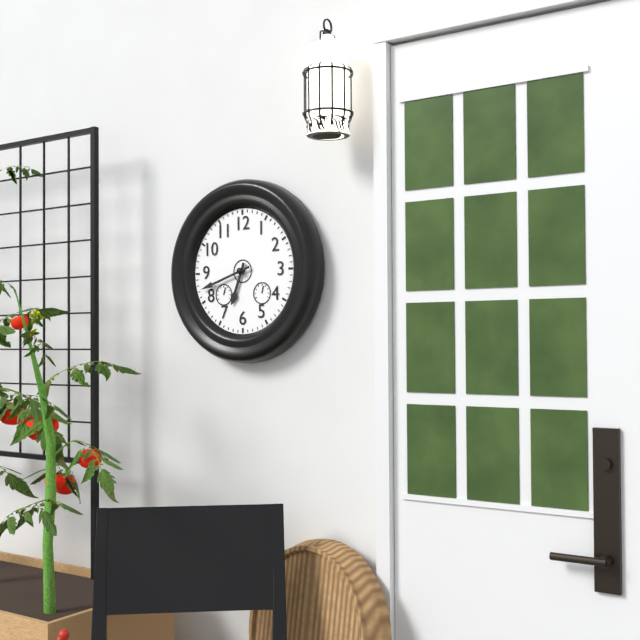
6.42
